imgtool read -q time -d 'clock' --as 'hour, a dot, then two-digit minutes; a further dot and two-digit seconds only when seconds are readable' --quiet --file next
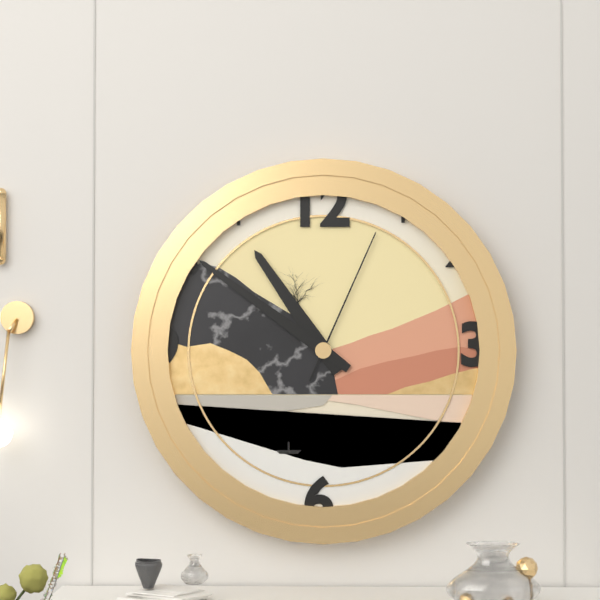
10.51.04
